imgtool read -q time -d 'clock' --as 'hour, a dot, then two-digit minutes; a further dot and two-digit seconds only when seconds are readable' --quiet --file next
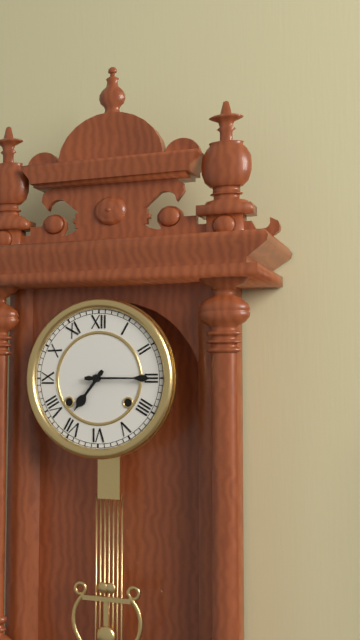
7.15
